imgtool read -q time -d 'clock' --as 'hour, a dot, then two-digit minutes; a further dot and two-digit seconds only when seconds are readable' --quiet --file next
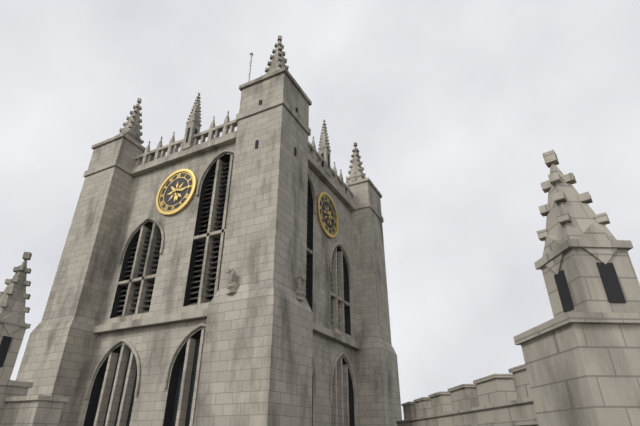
5.15
